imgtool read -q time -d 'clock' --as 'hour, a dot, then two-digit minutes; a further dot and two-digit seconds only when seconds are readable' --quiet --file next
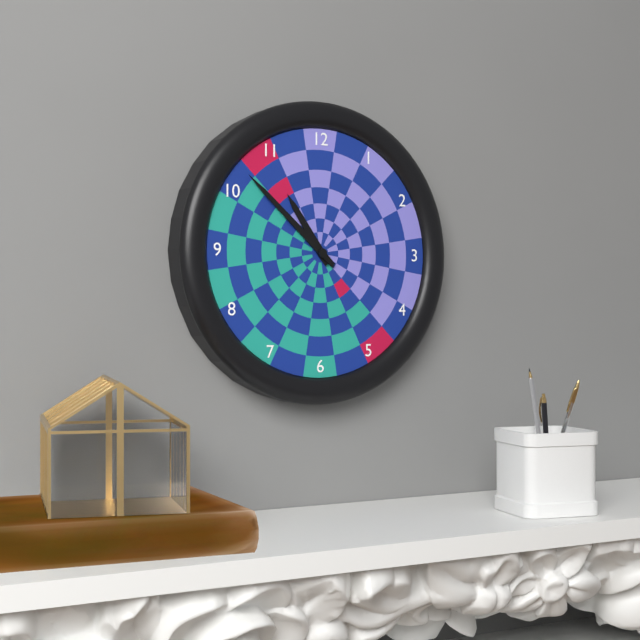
10.52
